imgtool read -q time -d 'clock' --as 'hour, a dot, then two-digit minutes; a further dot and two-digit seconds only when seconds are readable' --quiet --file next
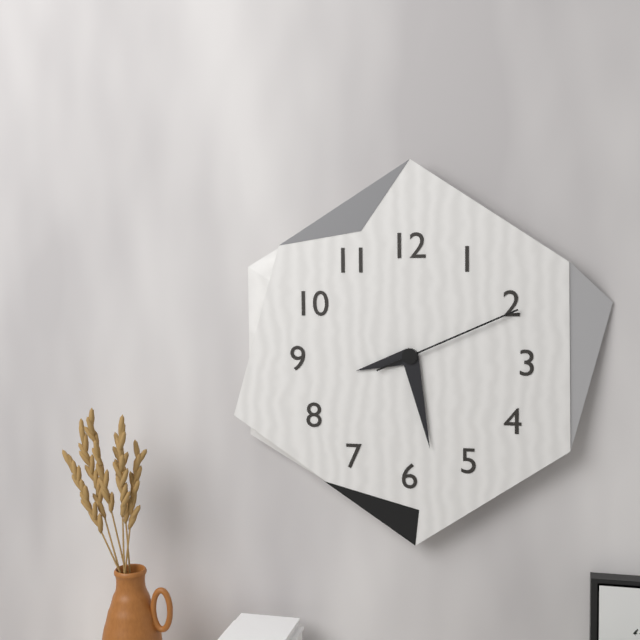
8.28.11
